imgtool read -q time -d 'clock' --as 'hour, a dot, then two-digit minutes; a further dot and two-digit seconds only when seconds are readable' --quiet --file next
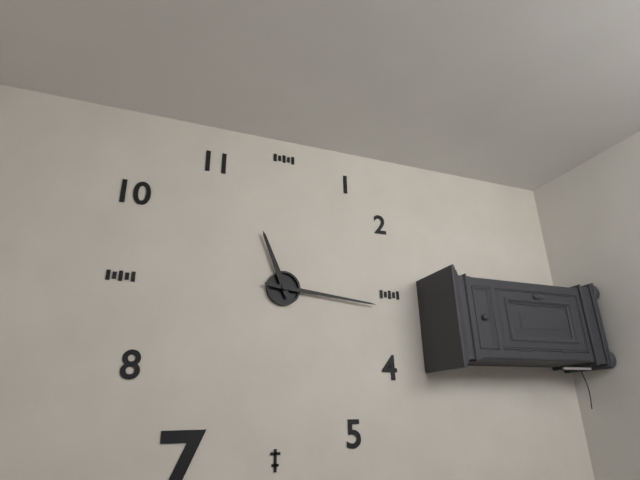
11.16
